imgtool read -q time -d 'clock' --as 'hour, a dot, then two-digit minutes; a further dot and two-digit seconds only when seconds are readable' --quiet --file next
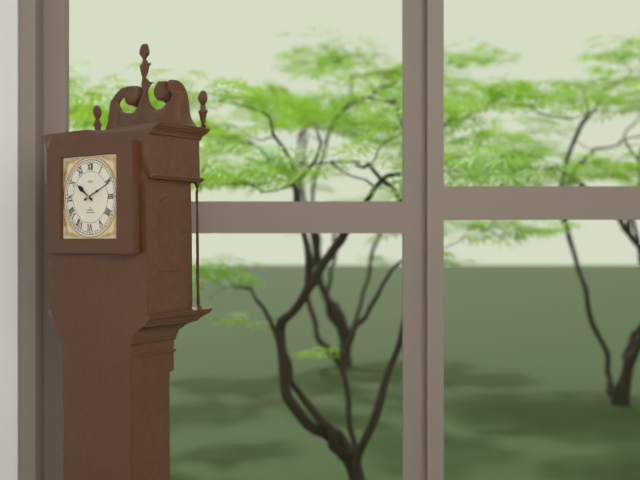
10.11
